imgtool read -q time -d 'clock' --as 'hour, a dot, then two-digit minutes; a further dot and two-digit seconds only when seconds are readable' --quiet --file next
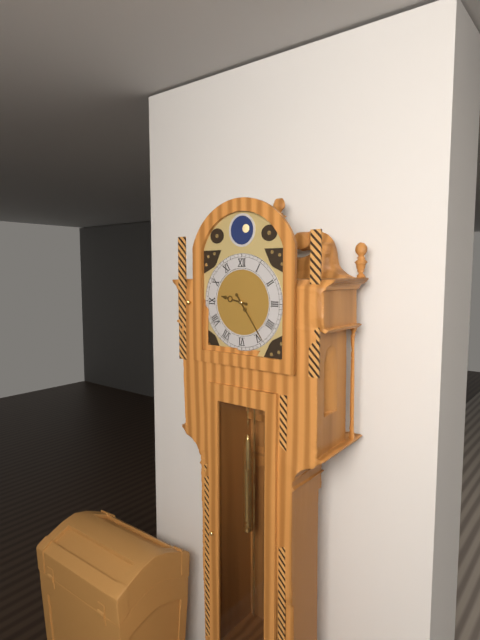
9.24
